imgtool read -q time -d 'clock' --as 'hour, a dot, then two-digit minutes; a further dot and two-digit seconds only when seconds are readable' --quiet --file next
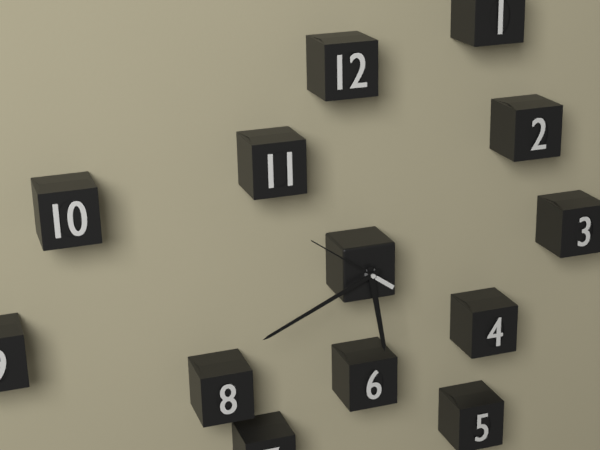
5.41.51
